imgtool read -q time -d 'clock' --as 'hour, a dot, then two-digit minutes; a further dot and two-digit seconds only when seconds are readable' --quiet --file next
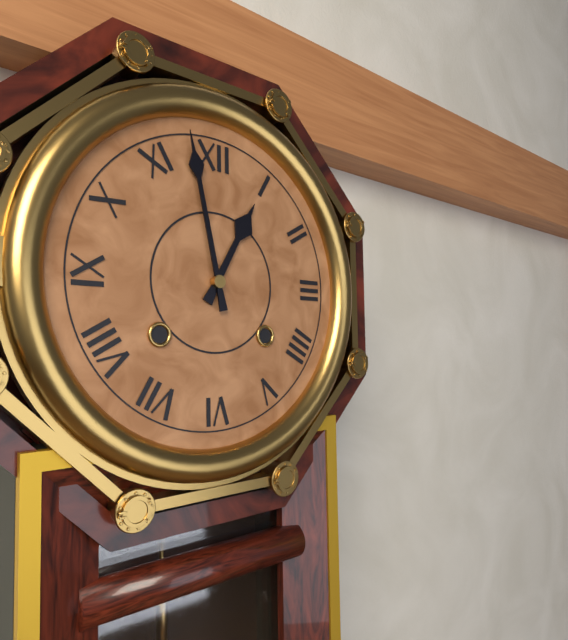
12.58
